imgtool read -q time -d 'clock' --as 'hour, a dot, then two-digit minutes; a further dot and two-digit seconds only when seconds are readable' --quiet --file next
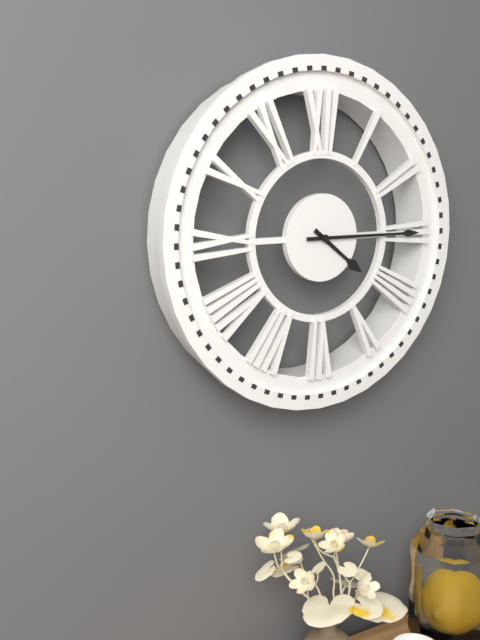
4.15
